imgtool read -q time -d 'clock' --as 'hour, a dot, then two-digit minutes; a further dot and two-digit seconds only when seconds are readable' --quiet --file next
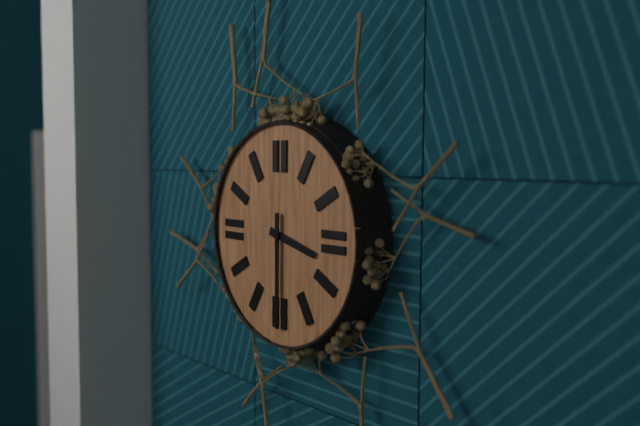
3.30
